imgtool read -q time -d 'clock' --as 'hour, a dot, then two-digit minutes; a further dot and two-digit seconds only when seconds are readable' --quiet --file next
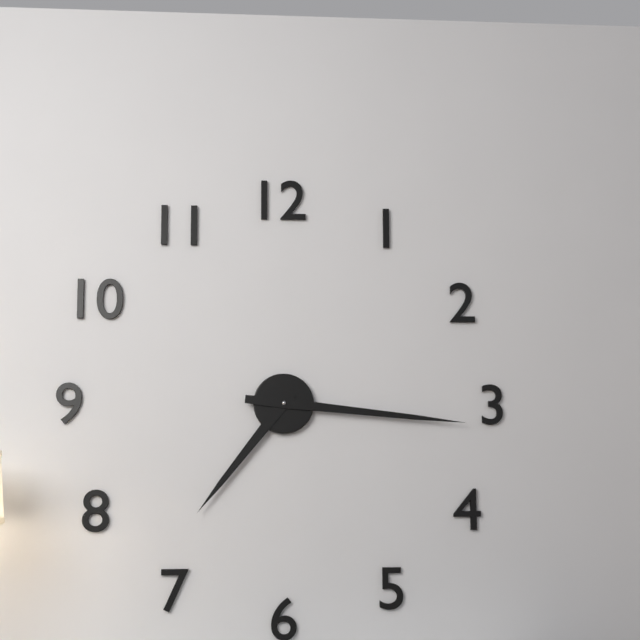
7.16
